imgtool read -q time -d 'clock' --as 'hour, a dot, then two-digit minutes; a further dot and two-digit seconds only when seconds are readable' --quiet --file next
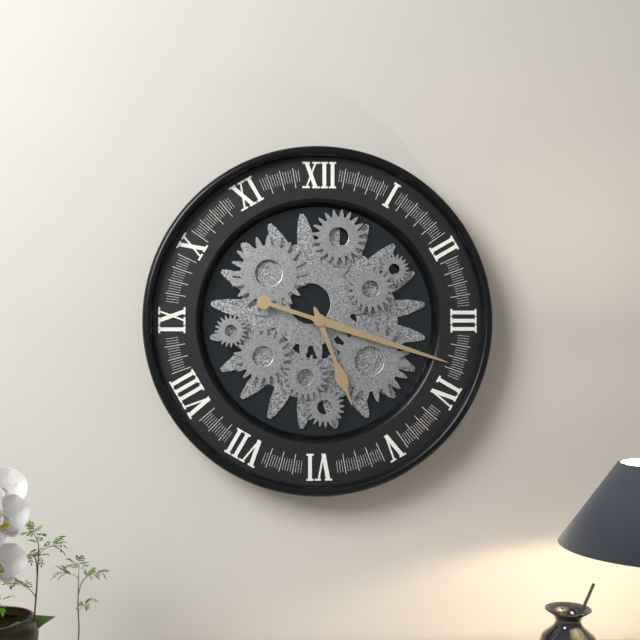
5.18
